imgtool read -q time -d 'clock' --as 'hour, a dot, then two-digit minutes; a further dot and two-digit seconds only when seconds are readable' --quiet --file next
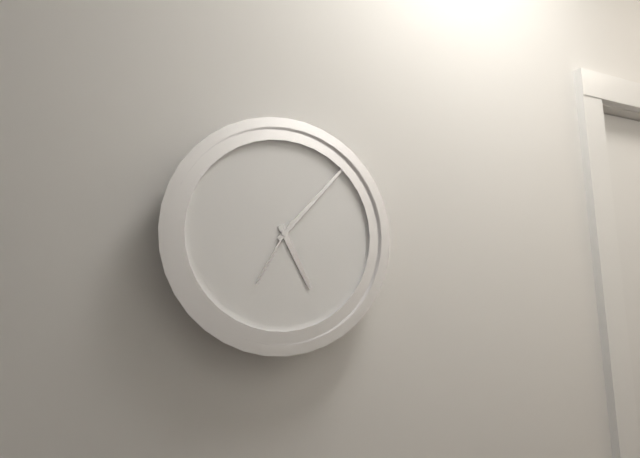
5.07.35
